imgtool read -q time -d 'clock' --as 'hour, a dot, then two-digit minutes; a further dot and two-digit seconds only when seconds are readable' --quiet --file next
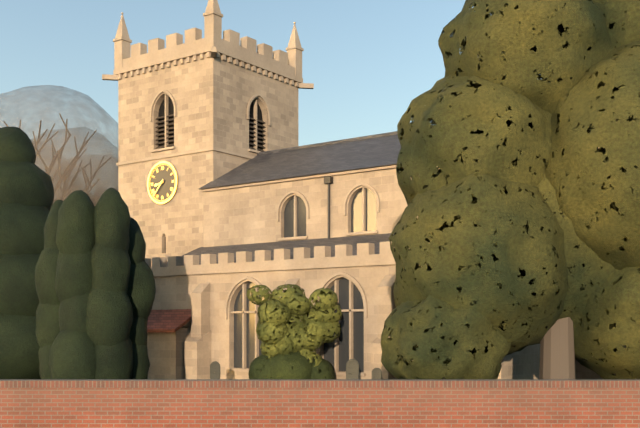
8.37
